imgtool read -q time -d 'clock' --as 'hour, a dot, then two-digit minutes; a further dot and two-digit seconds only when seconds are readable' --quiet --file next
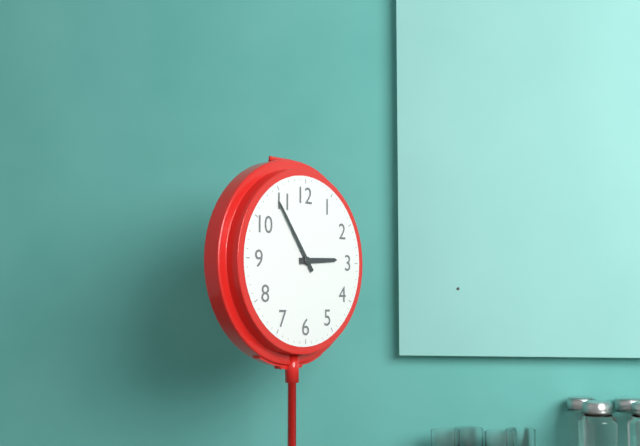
2.54
